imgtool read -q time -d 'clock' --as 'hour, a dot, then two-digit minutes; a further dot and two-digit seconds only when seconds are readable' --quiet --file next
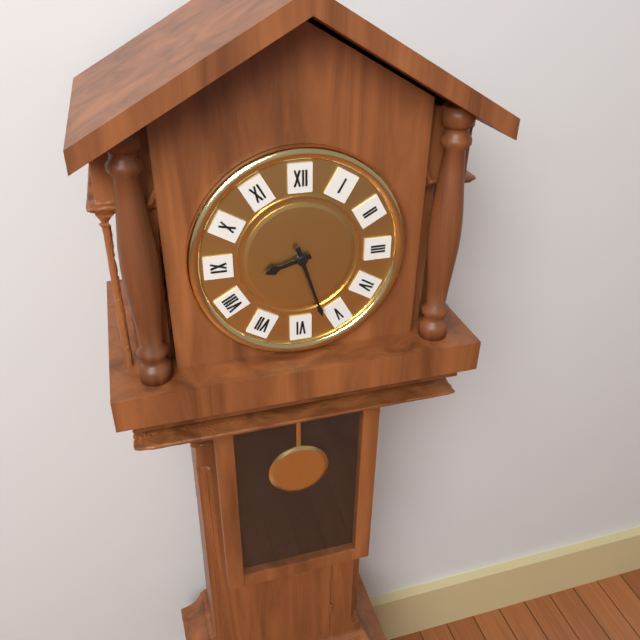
8.27
